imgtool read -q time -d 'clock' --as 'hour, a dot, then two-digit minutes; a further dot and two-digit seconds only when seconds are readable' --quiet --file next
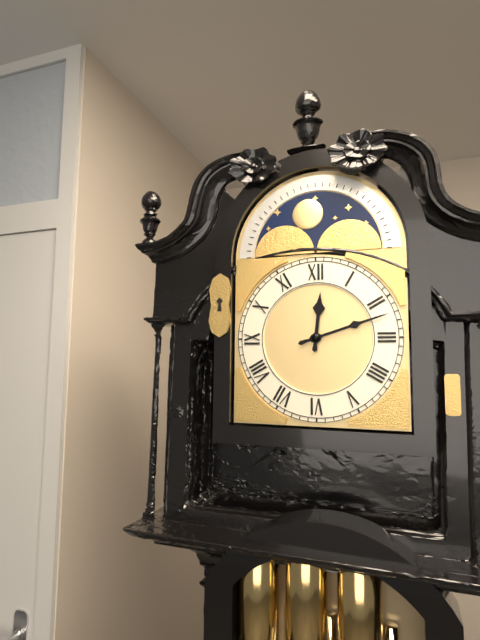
12.12
